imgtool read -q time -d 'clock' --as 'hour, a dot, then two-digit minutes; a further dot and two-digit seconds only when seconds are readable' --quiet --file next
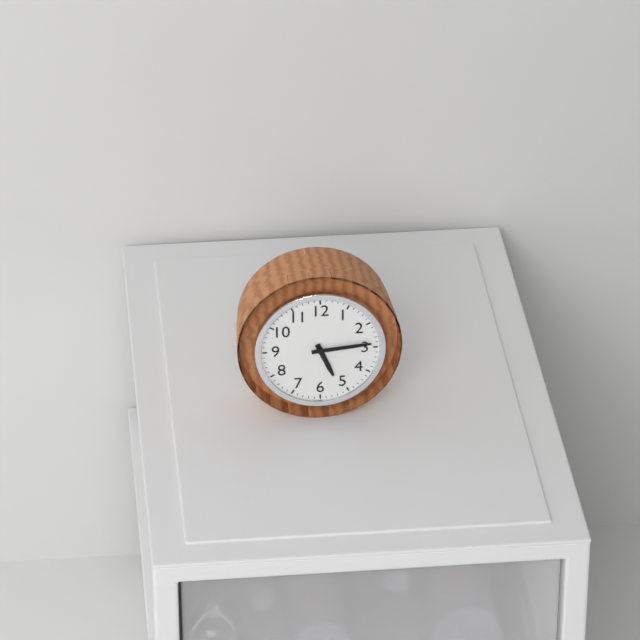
5.14
